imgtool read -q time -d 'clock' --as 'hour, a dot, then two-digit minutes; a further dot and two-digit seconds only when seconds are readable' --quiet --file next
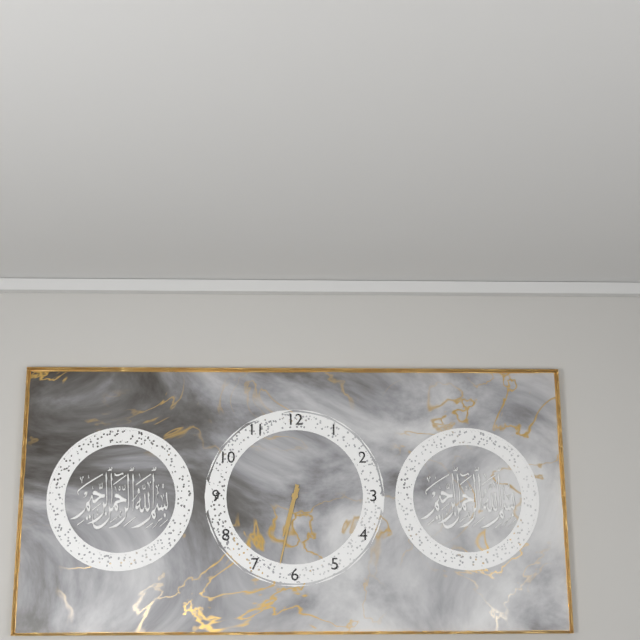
6.32
